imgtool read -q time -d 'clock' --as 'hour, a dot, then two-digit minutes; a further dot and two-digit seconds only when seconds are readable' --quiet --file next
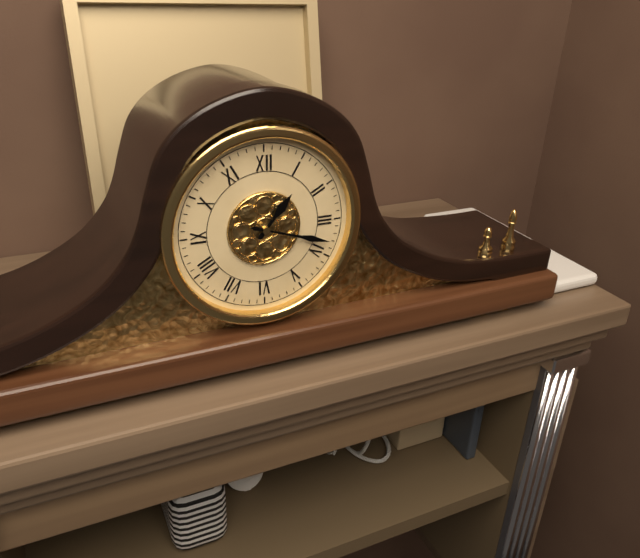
1.18
